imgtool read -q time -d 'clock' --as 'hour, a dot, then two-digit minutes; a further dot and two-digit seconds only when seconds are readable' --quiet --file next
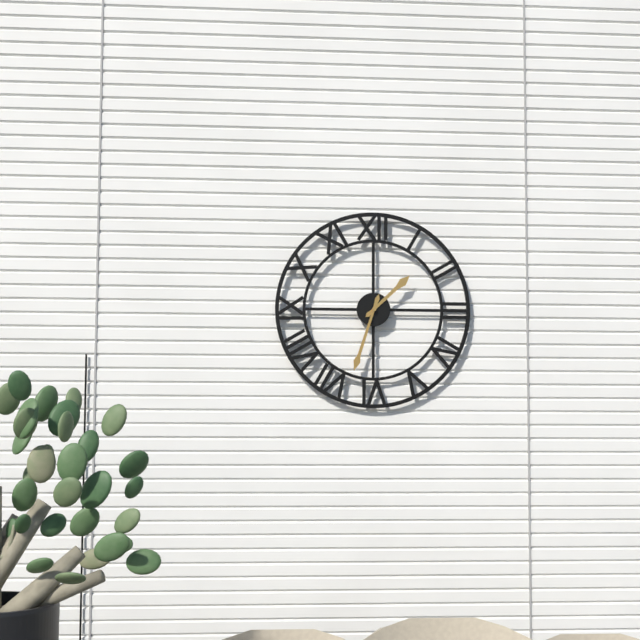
1.33
